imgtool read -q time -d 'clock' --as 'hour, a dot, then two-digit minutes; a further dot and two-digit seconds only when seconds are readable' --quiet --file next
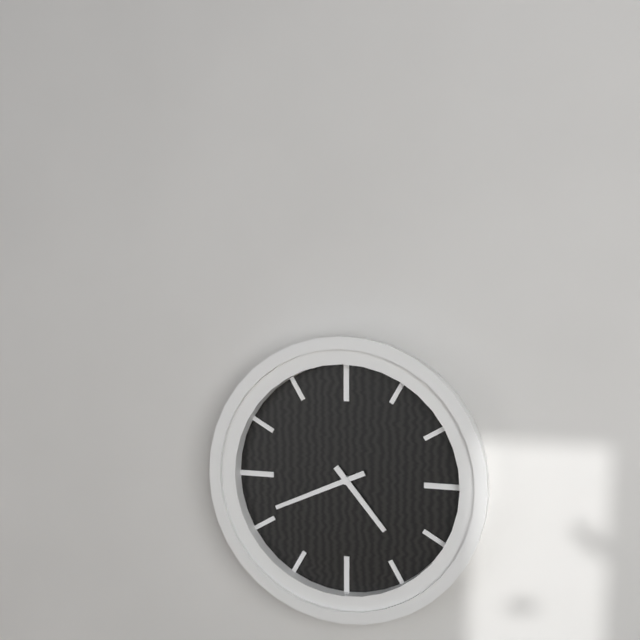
4.41
